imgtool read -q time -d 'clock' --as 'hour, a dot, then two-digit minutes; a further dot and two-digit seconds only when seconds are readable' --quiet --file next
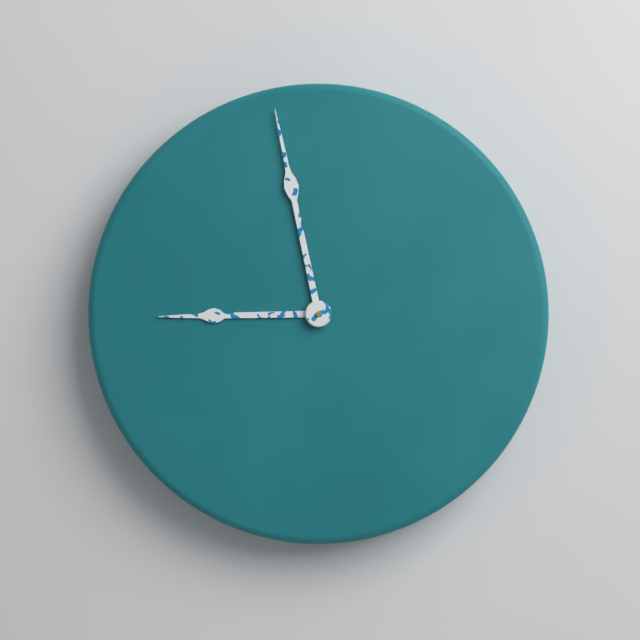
8.58
